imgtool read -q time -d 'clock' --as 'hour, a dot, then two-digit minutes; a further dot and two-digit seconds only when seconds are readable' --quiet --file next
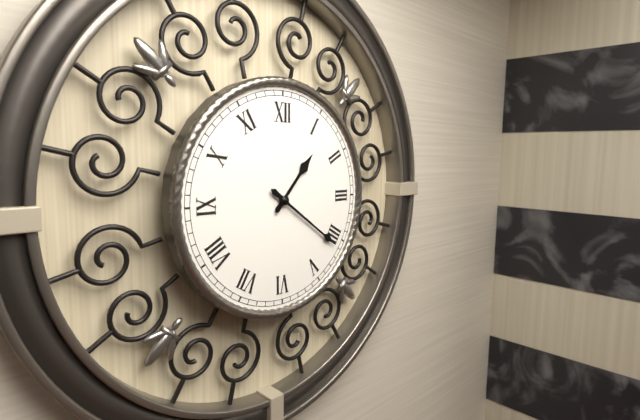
1.21
